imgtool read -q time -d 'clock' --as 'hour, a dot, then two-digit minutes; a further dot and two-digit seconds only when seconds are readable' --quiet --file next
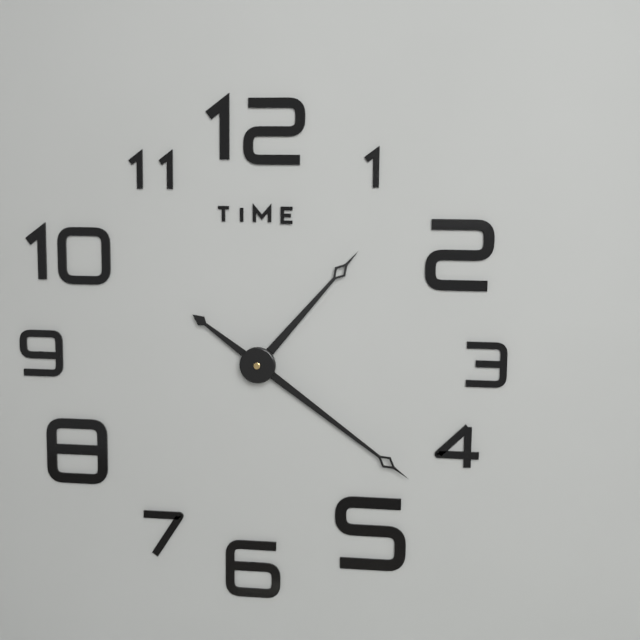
1.21
